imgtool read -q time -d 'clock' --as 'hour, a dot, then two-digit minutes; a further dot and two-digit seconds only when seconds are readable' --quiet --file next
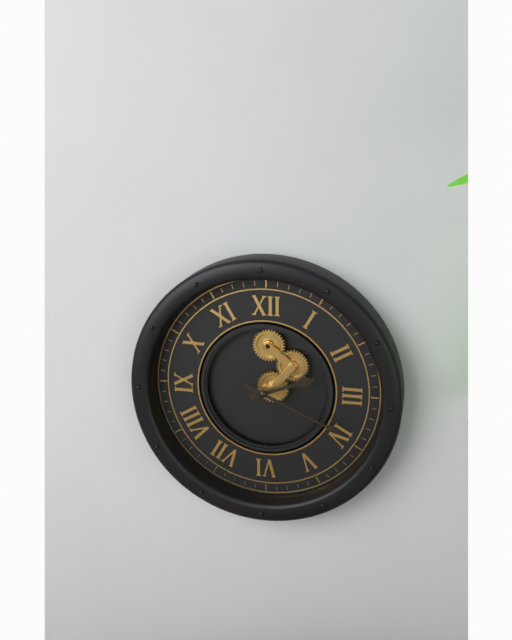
2.19
